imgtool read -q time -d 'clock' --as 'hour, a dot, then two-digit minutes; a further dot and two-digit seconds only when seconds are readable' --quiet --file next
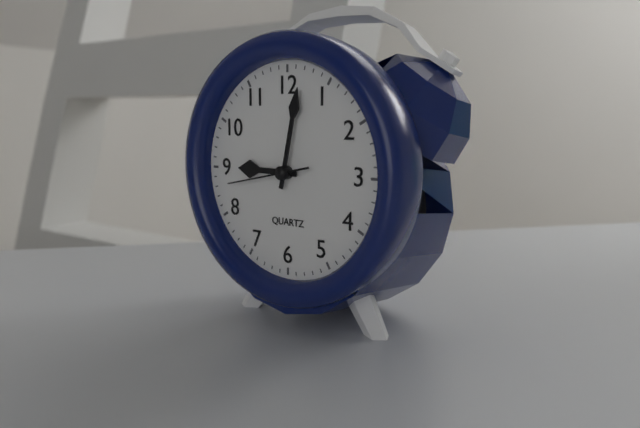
9.02.43
